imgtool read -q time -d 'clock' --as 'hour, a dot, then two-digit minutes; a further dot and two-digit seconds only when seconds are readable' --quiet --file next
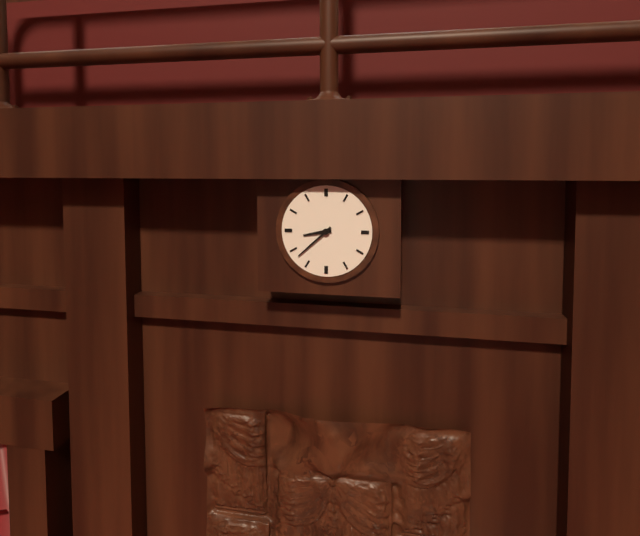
8.38
